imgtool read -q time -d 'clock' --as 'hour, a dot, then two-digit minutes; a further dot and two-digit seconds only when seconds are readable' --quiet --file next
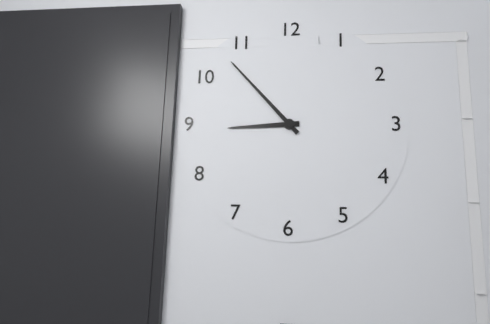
8.53
